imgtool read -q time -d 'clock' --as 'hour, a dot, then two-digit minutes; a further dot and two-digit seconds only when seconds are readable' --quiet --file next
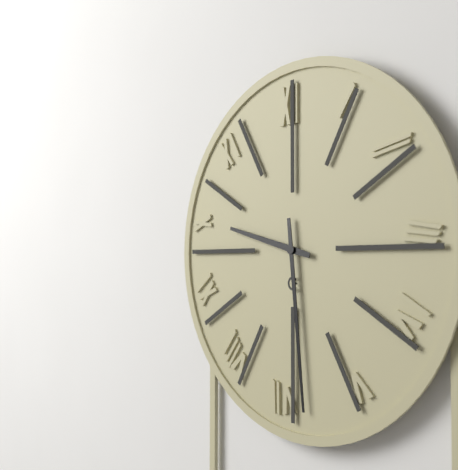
9.29
